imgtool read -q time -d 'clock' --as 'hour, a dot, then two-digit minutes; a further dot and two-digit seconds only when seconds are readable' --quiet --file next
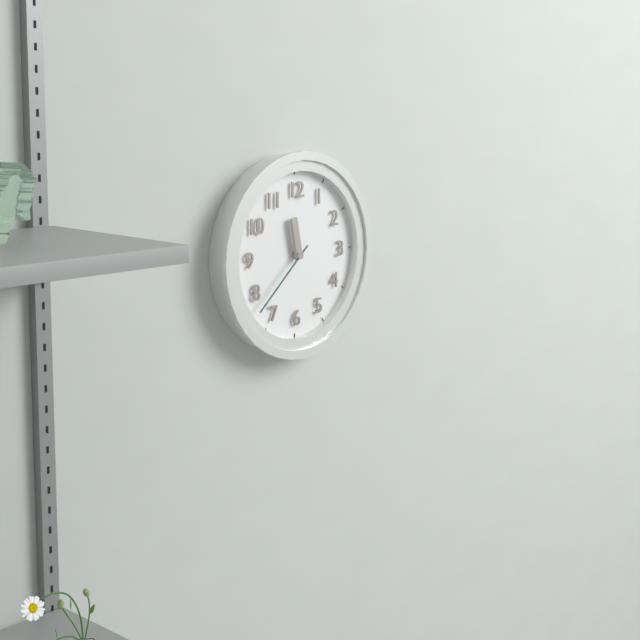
11.38
